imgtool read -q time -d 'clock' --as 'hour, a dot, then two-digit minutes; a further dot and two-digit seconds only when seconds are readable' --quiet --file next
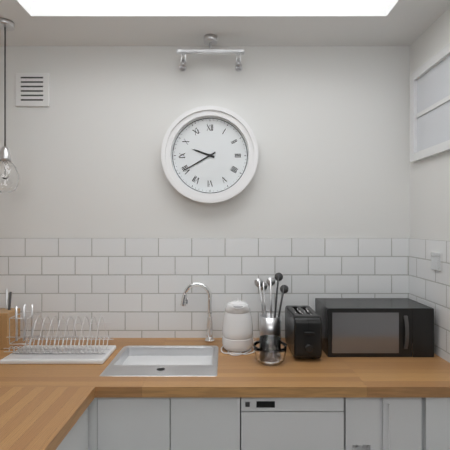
9.40
